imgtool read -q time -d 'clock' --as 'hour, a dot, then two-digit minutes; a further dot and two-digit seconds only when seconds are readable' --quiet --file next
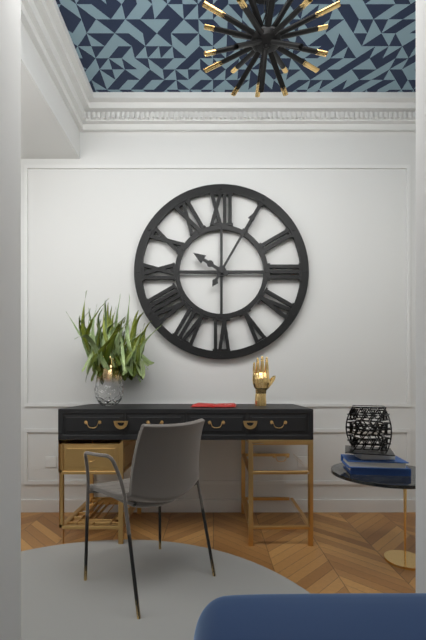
10.05
